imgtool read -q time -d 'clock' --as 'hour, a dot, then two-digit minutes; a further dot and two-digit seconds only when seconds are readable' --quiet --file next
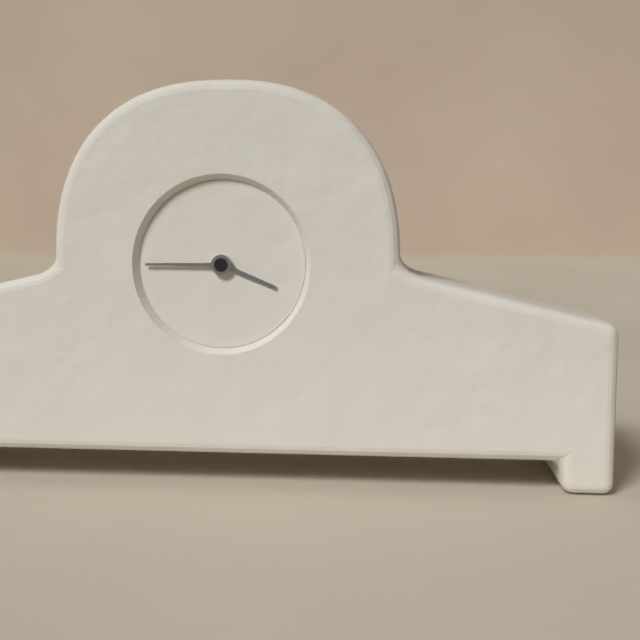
3.45
